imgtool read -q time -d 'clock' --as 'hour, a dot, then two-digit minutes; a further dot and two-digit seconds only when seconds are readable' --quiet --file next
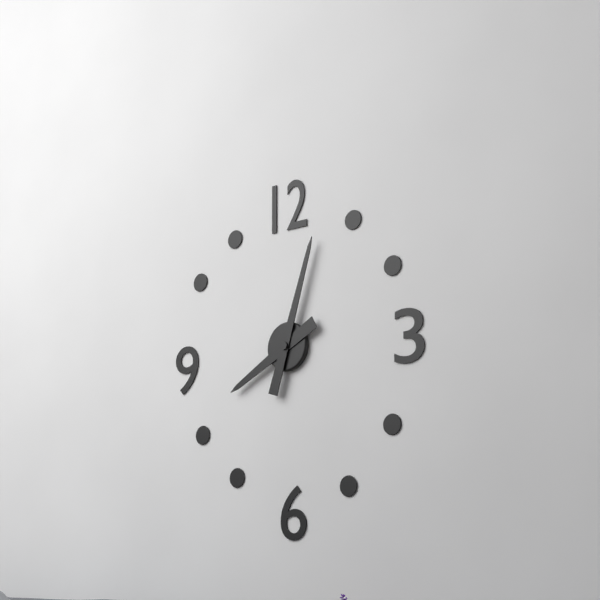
8.03
